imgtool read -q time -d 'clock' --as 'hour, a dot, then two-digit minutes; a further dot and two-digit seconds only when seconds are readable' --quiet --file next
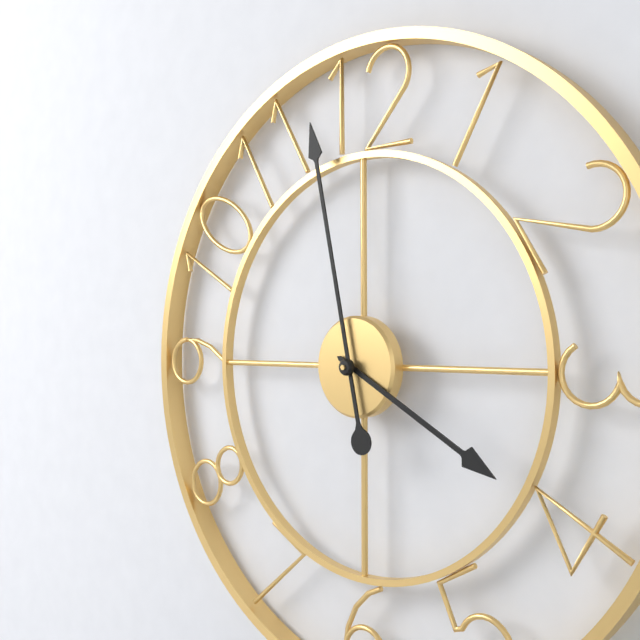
3.58
